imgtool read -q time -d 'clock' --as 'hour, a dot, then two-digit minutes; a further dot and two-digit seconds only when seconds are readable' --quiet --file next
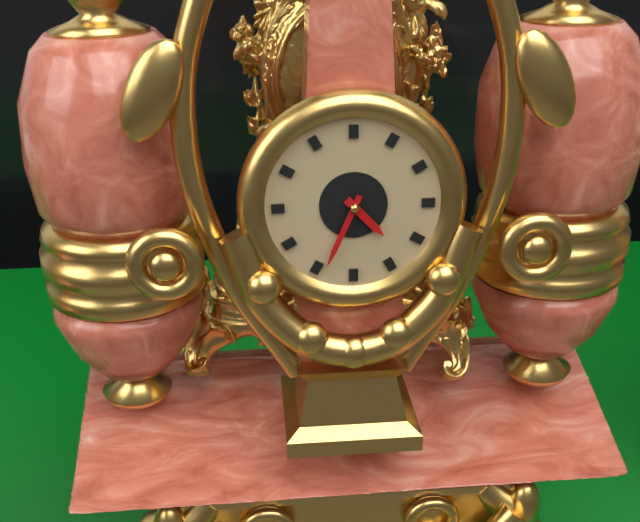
4.34
